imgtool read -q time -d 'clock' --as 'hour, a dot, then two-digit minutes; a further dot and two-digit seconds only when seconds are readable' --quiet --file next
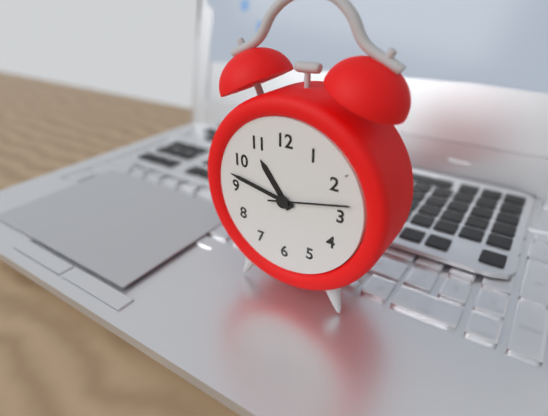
10.47.13
